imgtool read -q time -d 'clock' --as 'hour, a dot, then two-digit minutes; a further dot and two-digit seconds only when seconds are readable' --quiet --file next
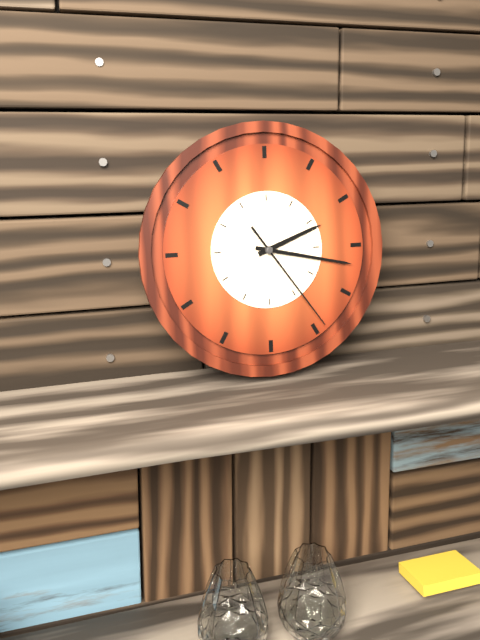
2.17.24
